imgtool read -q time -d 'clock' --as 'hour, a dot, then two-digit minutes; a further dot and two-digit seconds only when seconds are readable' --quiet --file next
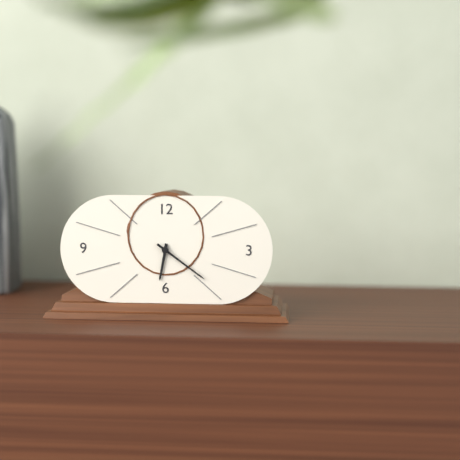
6.21
